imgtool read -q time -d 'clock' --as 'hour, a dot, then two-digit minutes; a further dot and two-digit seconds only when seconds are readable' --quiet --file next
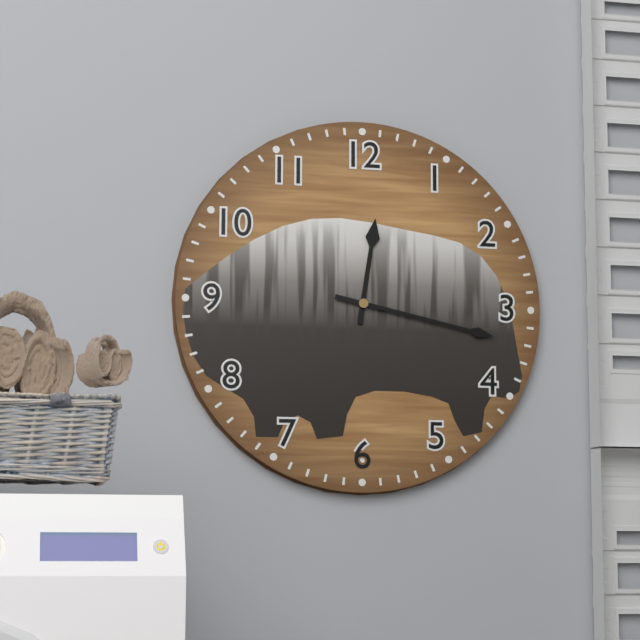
12.17
